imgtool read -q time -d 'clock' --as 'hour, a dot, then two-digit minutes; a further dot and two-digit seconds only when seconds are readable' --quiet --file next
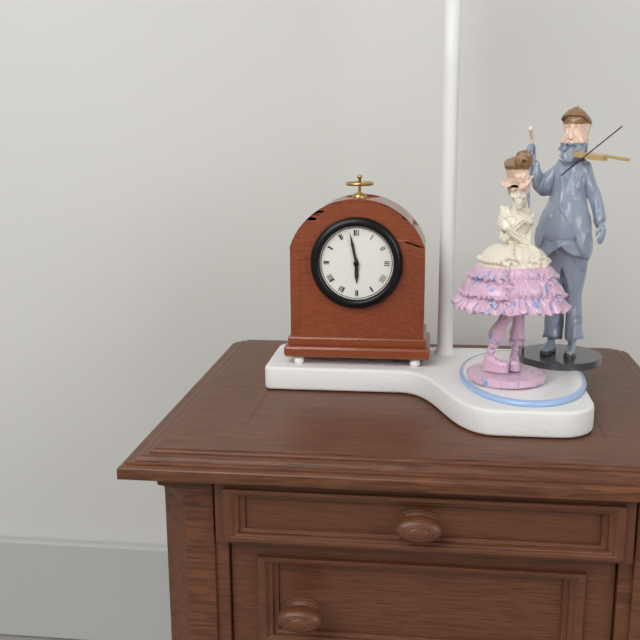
5.58
